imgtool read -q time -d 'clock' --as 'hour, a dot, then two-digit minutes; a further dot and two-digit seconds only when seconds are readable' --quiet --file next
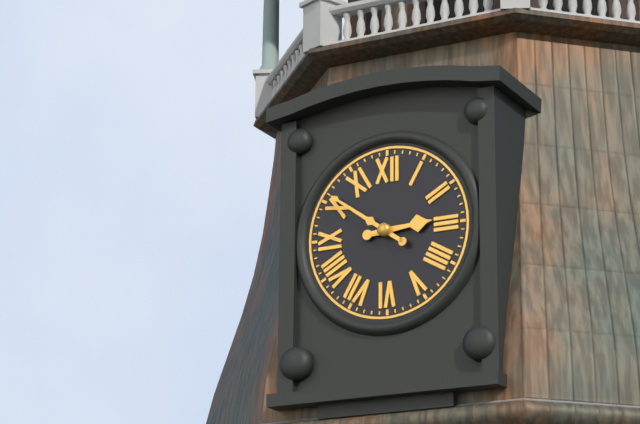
2.51
